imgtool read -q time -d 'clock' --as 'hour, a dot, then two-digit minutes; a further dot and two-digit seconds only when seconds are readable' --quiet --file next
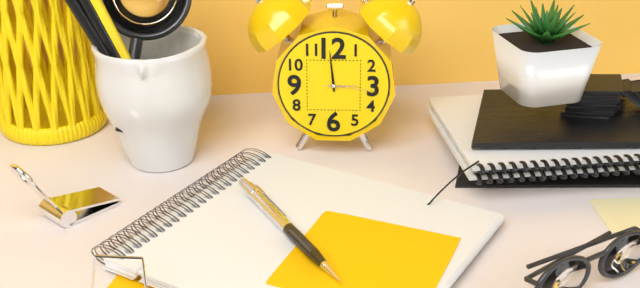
2.59.16
